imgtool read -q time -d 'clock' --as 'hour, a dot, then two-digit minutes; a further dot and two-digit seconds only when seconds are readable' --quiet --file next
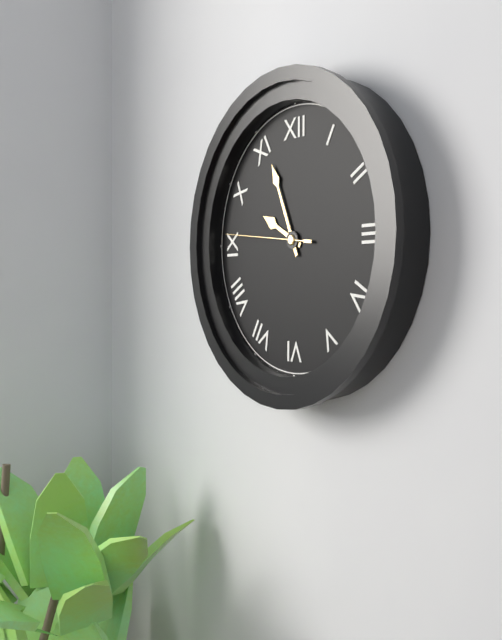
9.56.46
